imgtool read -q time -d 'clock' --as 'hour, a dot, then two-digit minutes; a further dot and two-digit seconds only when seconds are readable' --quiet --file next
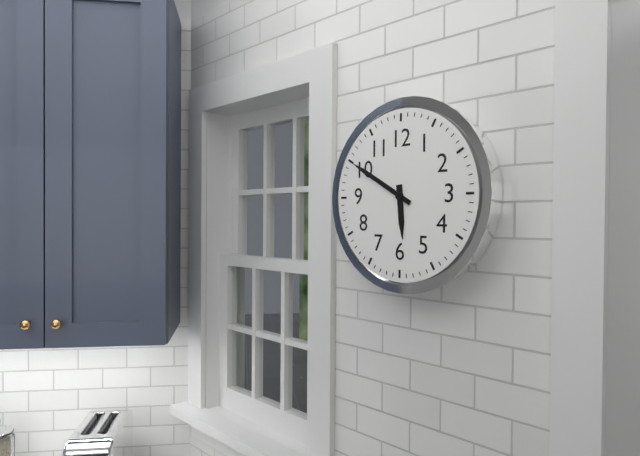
5.50
